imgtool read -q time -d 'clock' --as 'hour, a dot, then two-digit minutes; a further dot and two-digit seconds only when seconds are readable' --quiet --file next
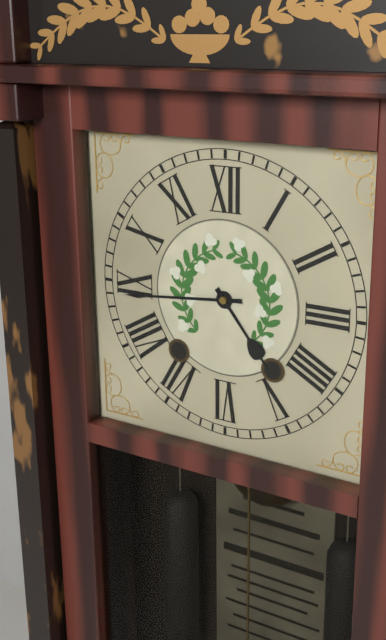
4.44
